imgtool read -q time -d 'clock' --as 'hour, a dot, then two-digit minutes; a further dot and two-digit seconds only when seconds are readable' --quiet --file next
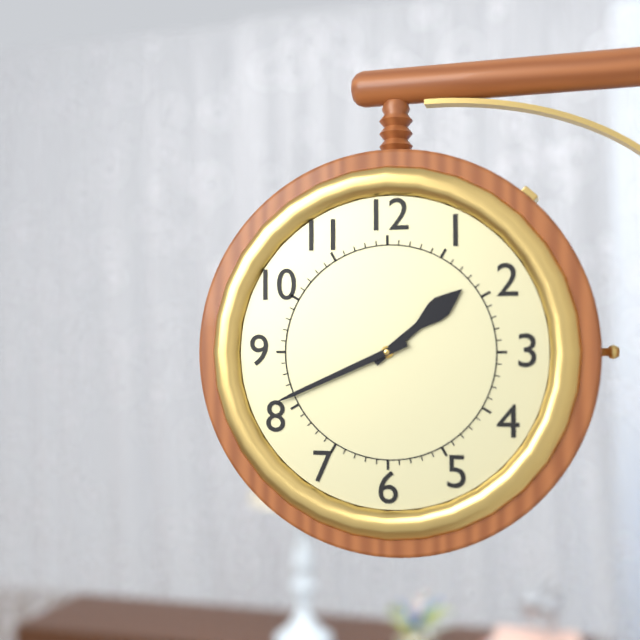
1.41
